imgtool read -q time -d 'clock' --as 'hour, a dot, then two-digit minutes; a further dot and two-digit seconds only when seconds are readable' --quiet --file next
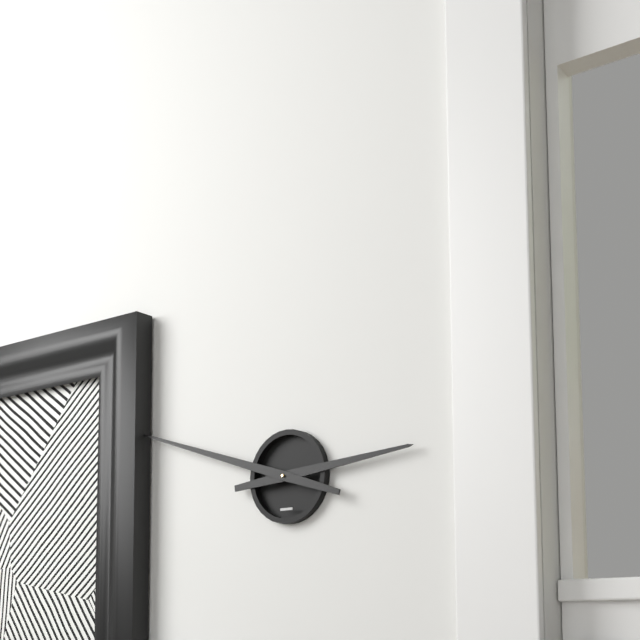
2.48
